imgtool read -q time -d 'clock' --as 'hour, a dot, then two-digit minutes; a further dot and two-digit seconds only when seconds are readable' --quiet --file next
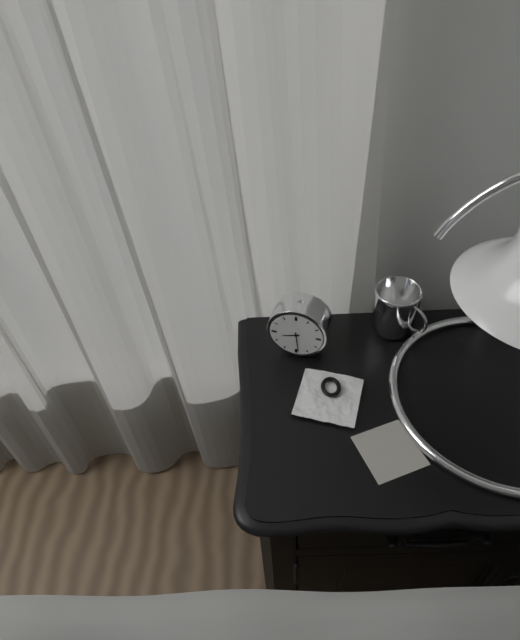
8.29
